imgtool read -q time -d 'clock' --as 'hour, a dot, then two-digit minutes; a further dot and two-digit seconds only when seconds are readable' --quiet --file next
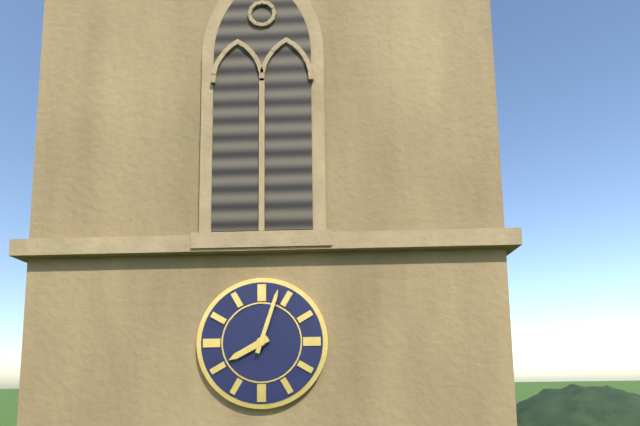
8.03
